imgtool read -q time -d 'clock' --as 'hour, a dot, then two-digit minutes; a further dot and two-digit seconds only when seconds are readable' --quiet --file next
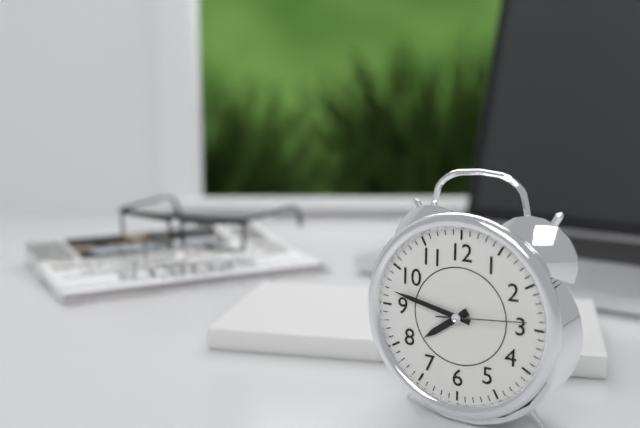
7.47.14
